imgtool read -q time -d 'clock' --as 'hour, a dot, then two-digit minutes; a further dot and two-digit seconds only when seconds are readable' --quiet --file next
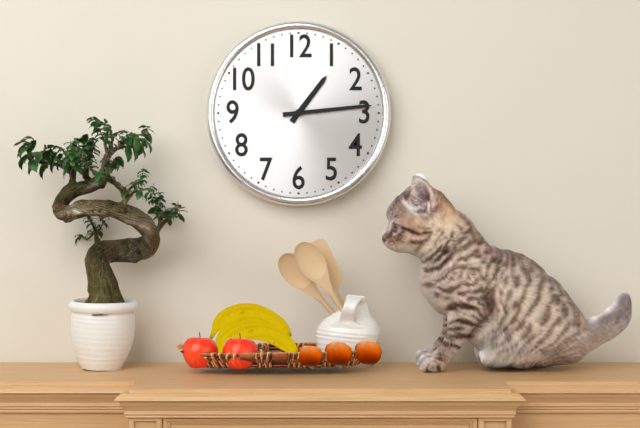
1.14
